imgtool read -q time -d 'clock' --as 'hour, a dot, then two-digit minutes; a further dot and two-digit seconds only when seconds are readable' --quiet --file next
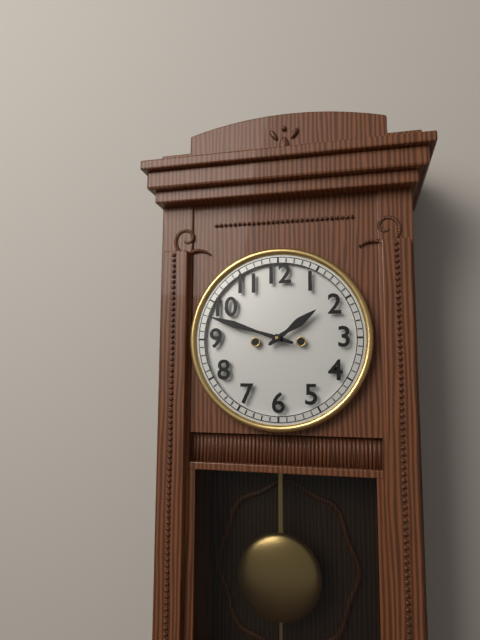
1.48
